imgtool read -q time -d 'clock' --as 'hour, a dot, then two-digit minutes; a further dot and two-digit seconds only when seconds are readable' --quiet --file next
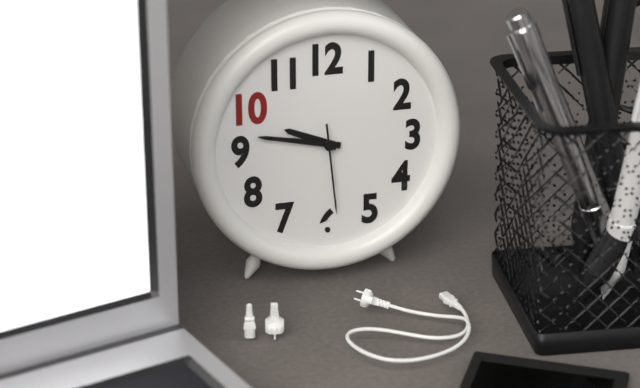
9.47.29
